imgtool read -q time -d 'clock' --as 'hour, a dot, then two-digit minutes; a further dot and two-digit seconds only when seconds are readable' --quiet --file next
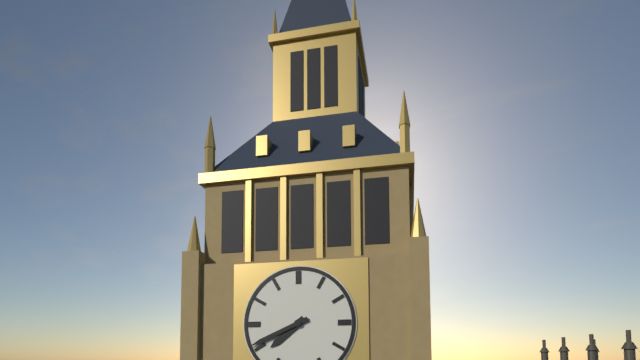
7.41
